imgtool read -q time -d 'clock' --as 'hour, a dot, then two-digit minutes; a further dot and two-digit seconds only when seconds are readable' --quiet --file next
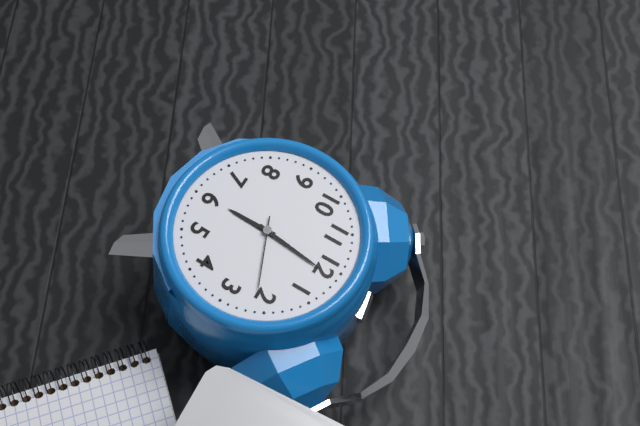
6.01.11
